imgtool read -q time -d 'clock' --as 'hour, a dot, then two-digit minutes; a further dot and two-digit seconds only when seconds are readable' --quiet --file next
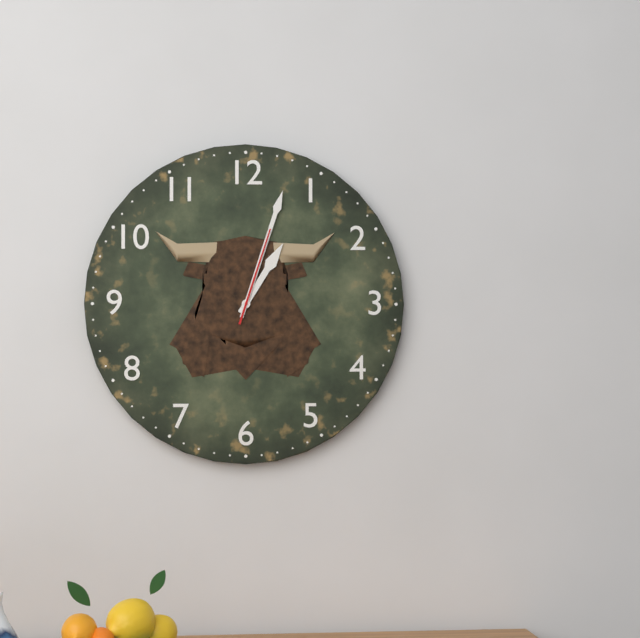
1.03.03
